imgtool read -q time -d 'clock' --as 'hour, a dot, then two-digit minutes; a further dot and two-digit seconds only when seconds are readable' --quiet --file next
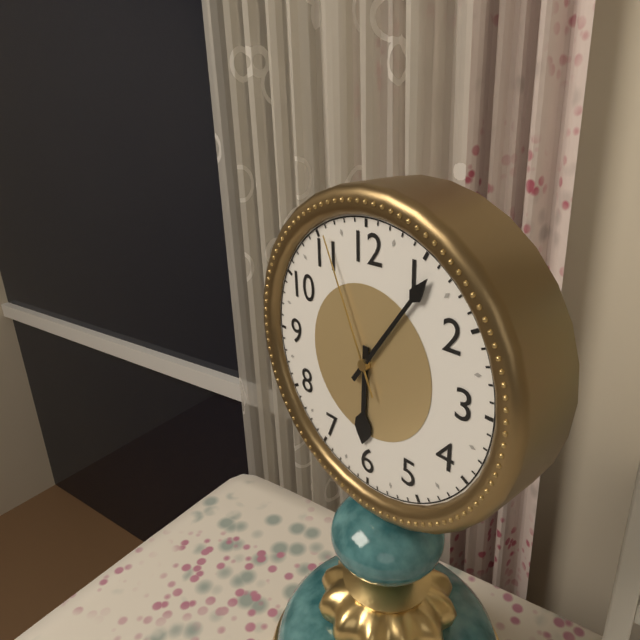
6.06.56
